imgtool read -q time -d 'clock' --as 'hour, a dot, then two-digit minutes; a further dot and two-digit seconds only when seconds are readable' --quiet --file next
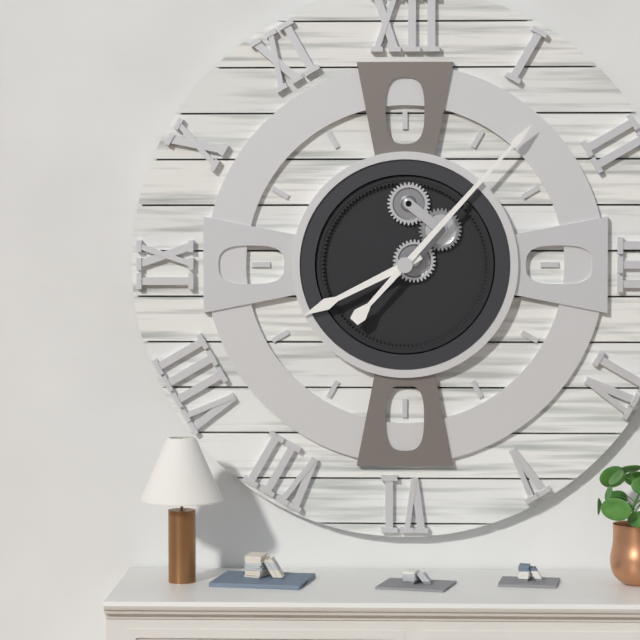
8.07
